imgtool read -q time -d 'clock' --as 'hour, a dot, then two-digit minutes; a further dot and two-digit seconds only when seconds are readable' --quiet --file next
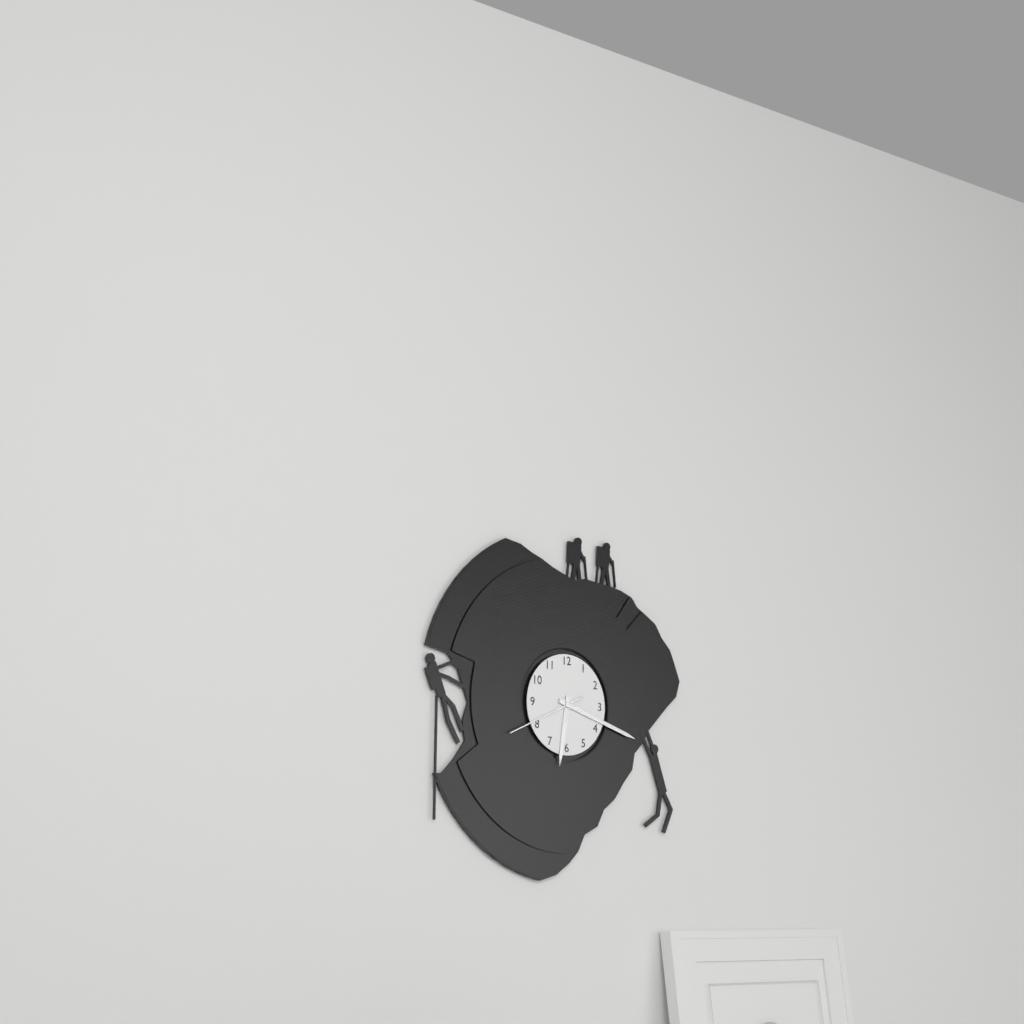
6.18.41
